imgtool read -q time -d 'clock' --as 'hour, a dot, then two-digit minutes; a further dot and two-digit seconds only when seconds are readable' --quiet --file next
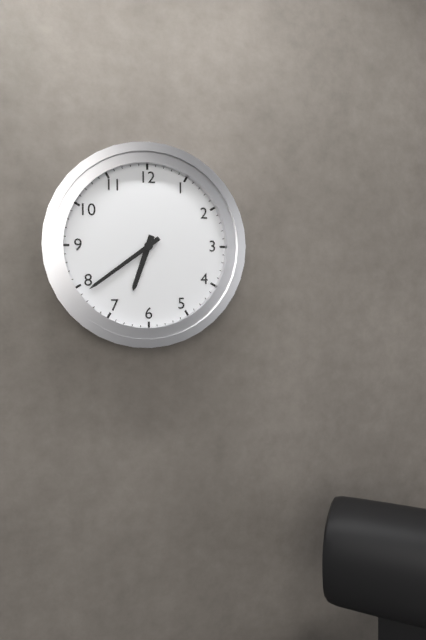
6.39
